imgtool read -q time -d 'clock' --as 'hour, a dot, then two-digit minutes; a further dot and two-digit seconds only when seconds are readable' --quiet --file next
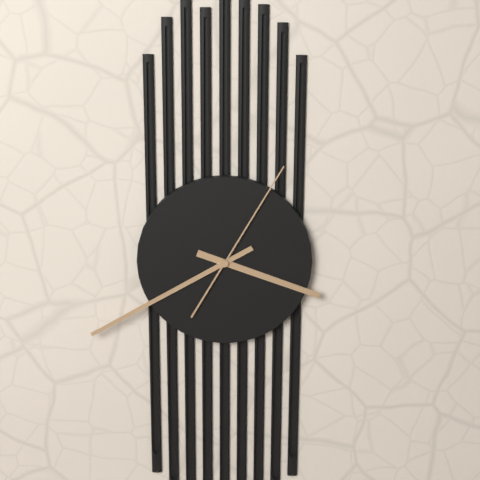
3.40.05
